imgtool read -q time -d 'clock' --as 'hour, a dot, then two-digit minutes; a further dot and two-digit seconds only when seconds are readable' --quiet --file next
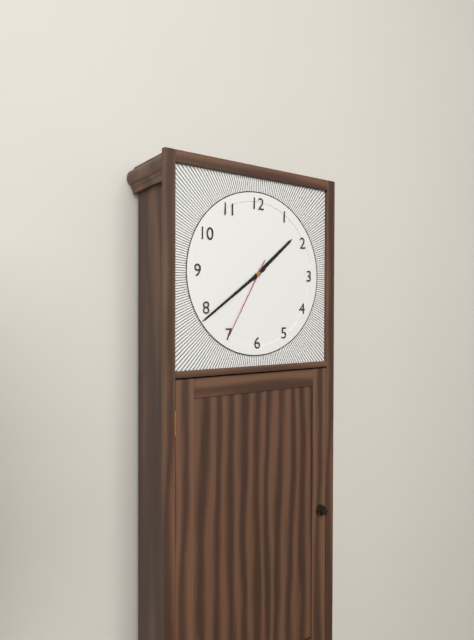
1.39.35
